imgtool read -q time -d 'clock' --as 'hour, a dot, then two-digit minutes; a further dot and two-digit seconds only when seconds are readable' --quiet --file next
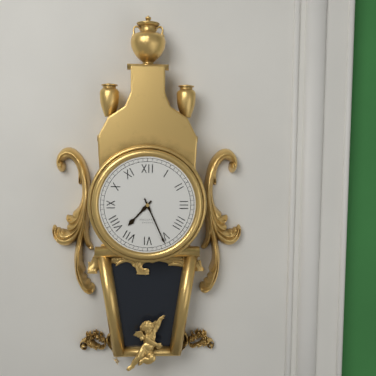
7.26
